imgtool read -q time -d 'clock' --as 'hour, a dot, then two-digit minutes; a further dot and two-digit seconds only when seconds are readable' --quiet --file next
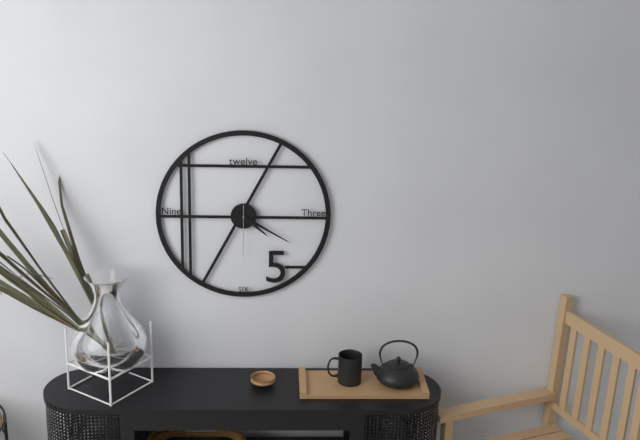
4.20.30
